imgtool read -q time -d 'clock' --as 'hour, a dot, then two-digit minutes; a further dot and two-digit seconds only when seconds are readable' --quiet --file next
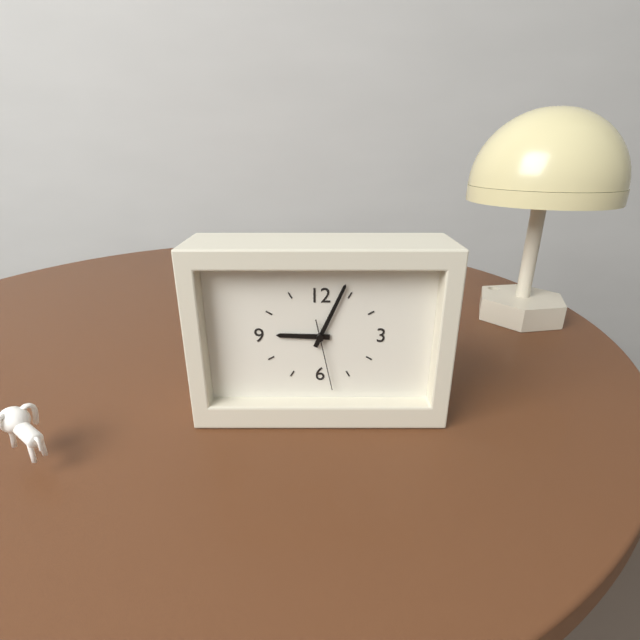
9.04.28
